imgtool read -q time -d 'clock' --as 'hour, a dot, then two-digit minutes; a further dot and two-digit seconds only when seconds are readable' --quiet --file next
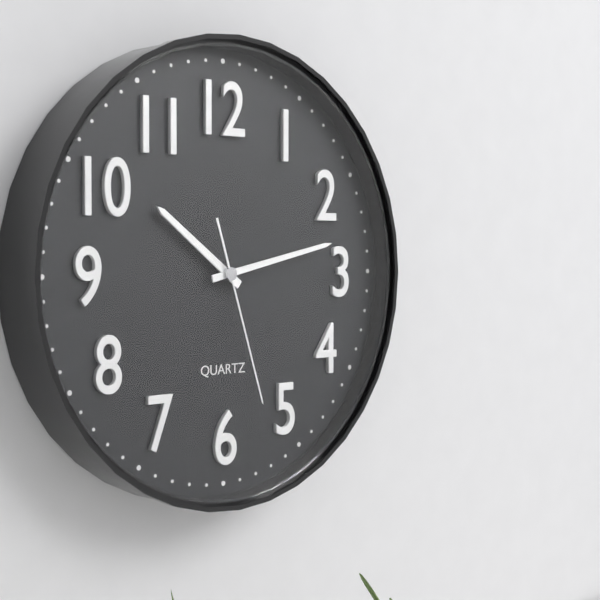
10.13.27
